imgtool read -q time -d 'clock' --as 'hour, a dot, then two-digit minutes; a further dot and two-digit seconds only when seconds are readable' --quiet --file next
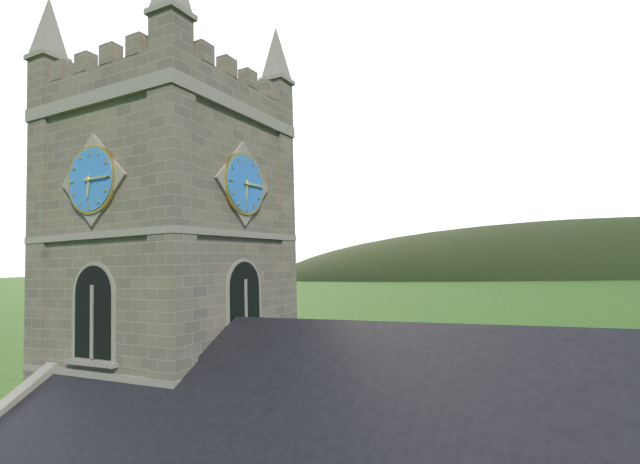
6.15
